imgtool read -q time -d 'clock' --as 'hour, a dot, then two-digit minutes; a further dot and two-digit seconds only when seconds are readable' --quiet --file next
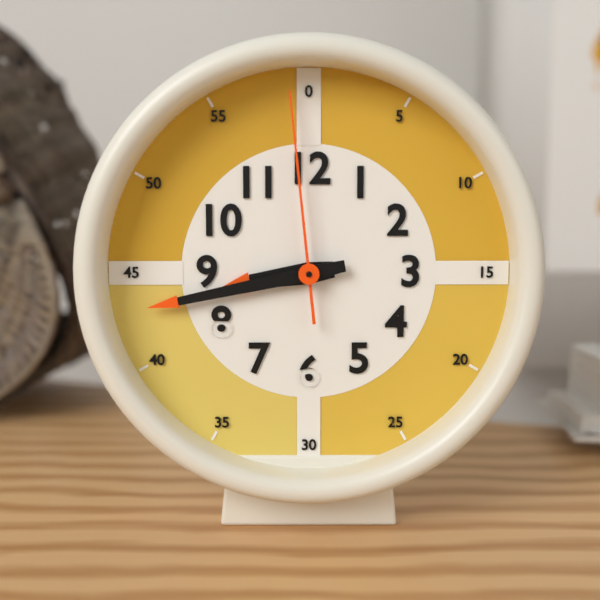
8.43.59
